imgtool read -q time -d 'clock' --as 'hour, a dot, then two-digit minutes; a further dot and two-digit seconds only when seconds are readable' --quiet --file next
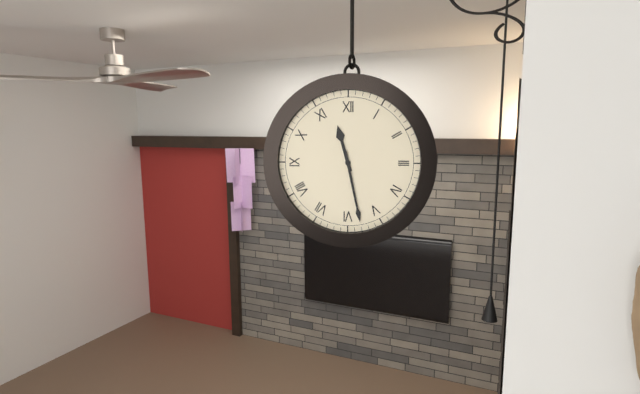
11.28
